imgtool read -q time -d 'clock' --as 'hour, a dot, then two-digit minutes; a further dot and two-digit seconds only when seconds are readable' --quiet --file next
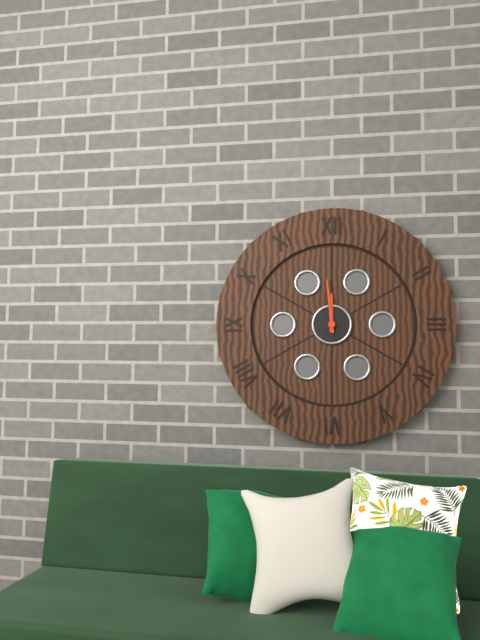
11.59
